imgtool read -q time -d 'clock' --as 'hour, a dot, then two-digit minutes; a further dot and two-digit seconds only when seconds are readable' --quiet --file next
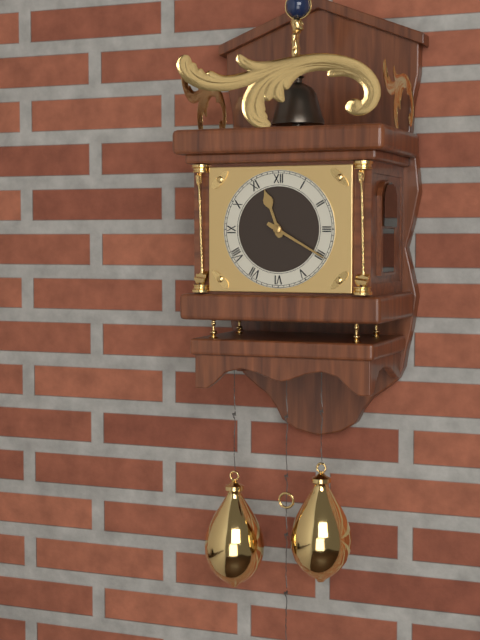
11.20
